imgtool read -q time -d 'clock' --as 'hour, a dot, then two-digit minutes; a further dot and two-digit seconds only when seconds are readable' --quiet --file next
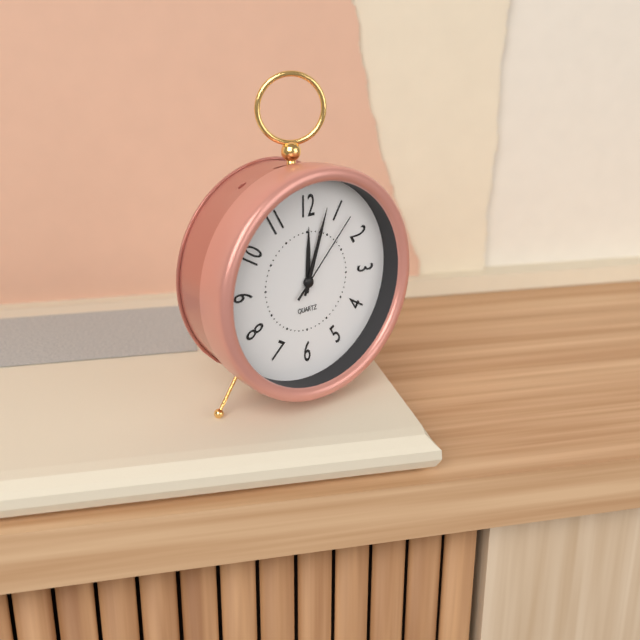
12.03.07
